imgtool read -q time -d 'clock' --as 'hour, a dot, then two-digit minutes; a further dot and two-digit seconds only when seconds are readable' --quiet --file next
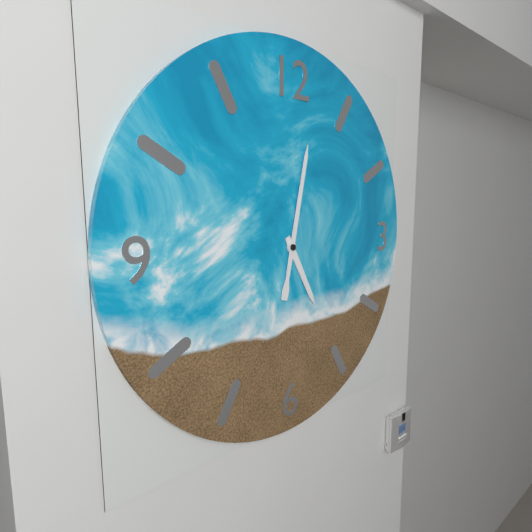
5.02
